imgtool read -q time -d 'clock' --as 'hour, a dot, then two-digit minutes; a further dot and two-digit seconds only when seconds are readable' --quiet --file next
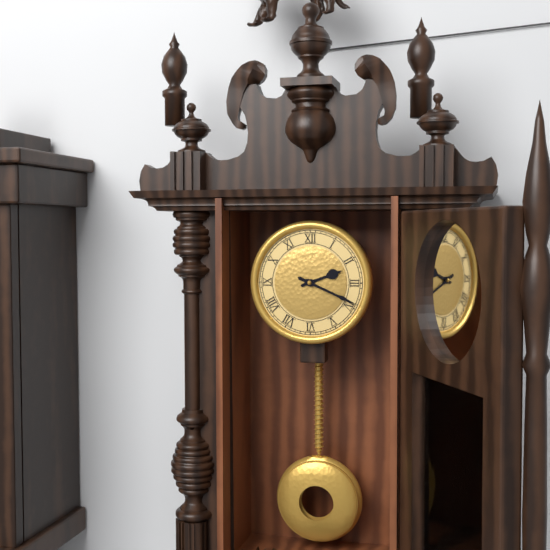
2.19
